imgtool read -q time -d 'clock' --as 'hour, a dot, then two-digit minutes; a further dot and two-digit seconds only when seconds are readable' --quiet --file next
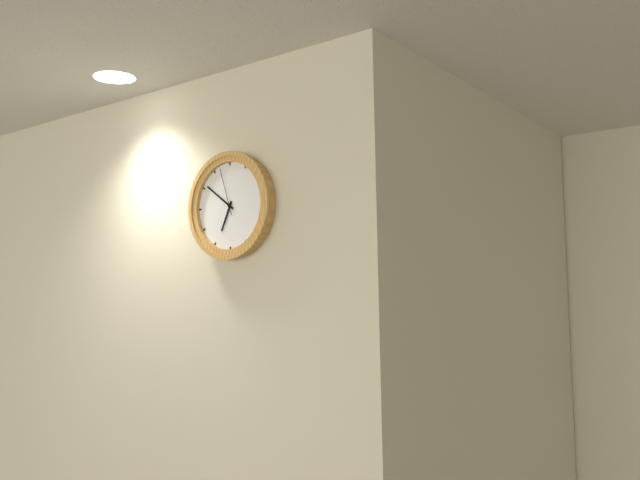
6.51
